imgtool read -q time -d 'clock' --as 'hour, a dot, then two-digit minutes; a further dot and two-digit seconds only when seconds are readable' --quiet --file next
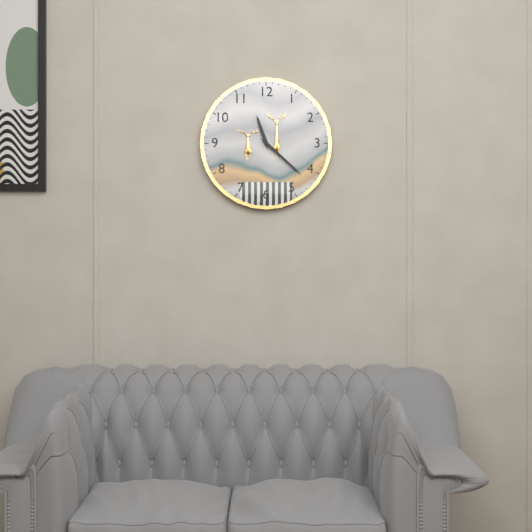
11.22
